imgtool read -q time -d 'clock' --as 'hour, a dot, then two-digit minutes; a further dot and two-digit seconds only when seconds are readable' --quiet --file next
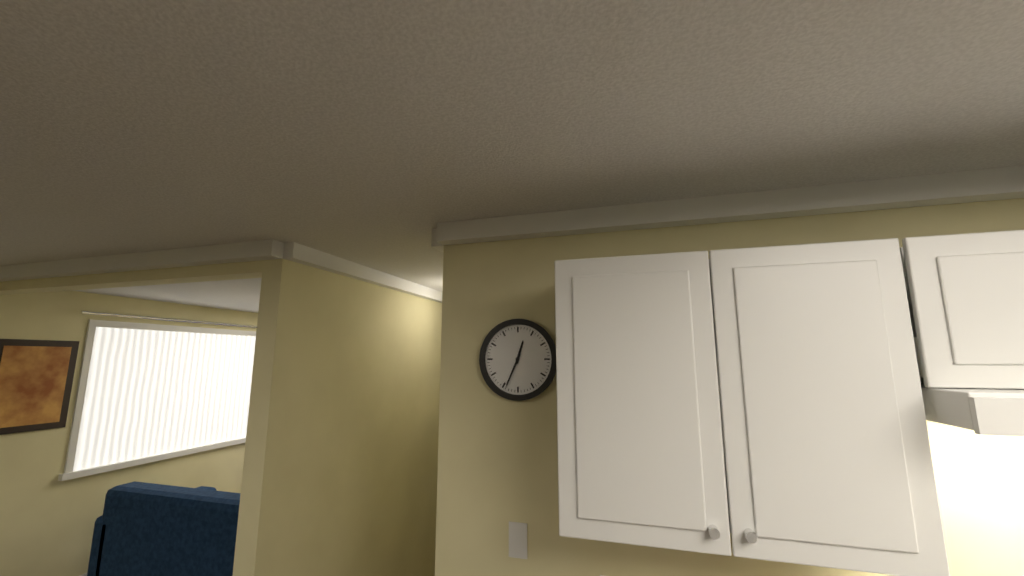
12.34
